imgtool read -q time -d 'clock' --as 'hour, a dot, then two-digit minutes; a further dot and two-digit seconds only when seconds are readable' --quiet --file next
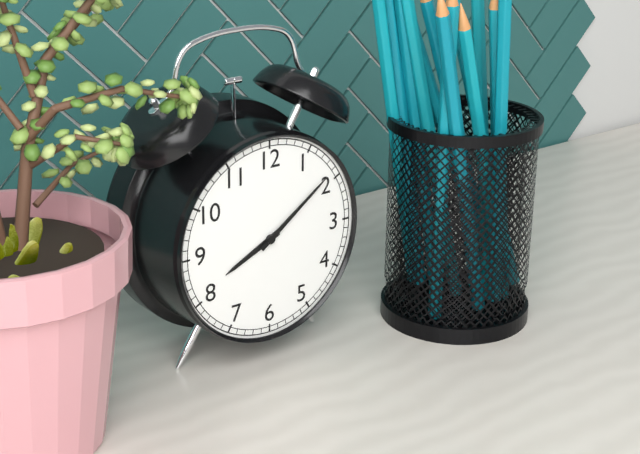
8.09
